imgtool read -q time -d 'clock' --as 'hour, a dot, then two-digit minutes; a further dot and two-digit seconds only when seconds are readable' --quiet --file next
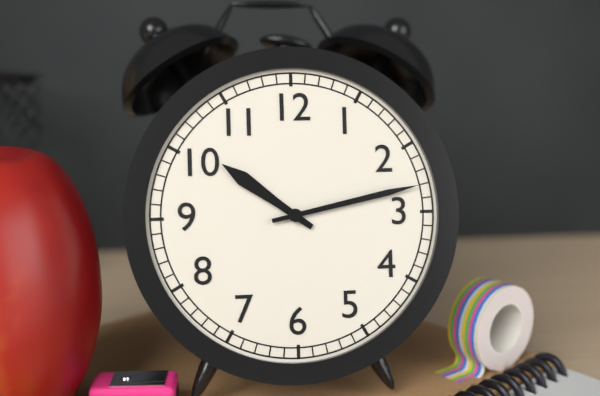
10.13
